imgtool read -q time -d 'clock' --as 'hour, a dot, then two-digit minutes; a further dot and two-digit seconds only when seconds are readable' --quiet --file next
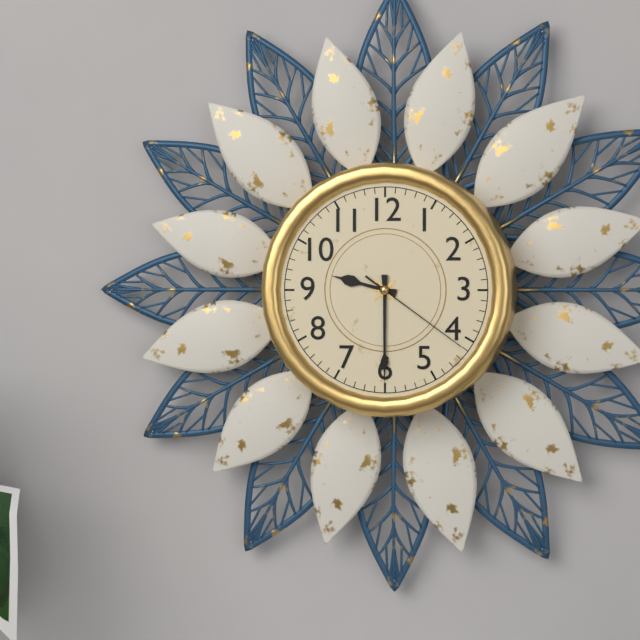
9.30.21
